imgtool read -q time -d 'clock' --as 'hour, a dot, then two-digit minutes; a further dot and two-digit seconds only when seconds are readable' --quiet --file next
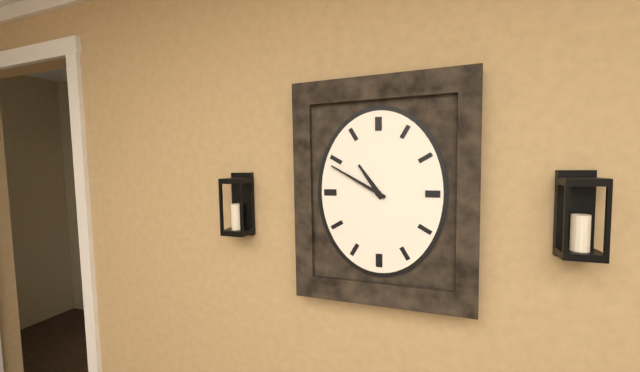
10.50
